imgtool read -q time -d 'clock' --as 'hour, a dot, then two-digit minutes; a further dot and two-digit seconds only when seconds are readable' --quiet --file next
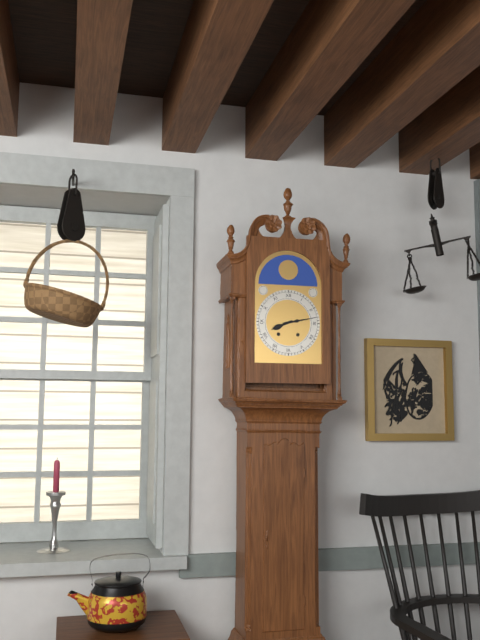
8.13
